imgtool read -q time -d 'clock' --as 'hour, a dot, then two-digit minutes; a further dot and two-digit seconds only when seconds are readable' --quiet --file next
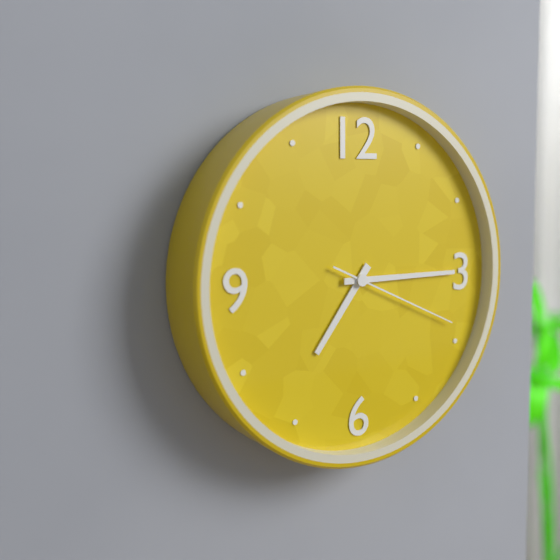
7.15.19
